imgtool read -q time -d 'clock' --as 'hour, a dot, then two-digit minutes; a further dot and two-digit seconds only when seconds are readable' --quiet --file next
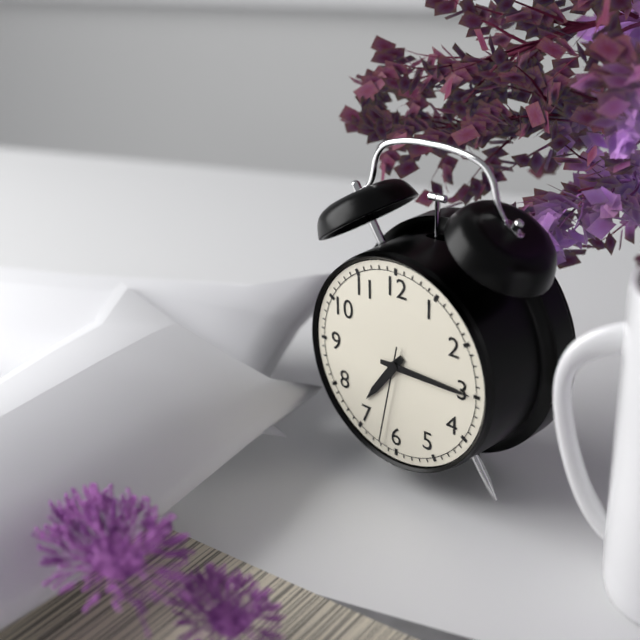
7.15.32
